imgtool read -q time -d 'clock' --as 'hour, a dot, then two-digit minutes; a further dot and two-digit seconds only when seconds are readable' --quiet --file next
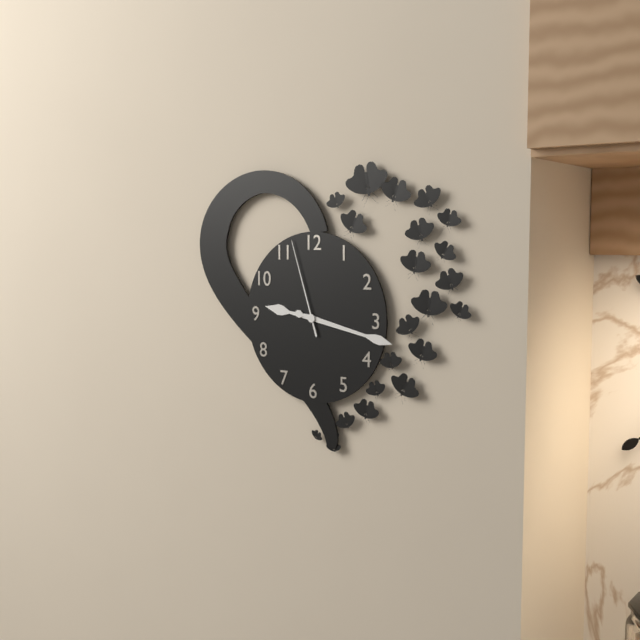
9.17.57
